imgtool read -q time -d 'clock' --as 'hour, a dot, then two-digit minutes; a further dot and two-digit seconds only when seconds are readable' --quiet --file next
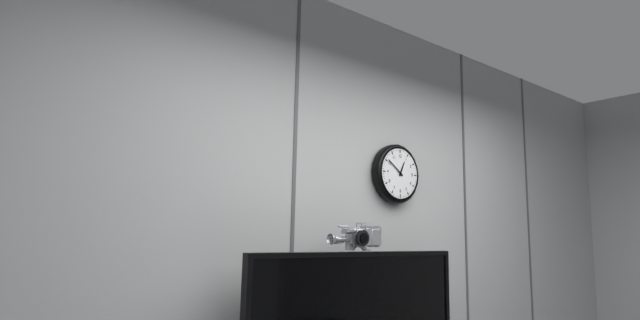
12.51
